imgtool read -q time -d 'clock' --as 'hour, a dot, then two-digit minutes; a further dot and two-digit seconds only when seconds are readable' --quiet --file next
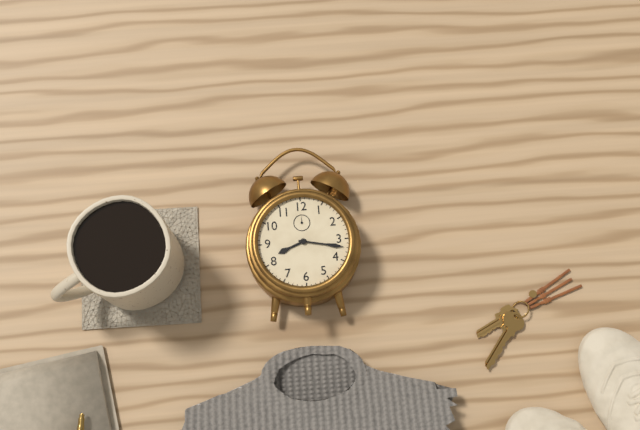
8.17
